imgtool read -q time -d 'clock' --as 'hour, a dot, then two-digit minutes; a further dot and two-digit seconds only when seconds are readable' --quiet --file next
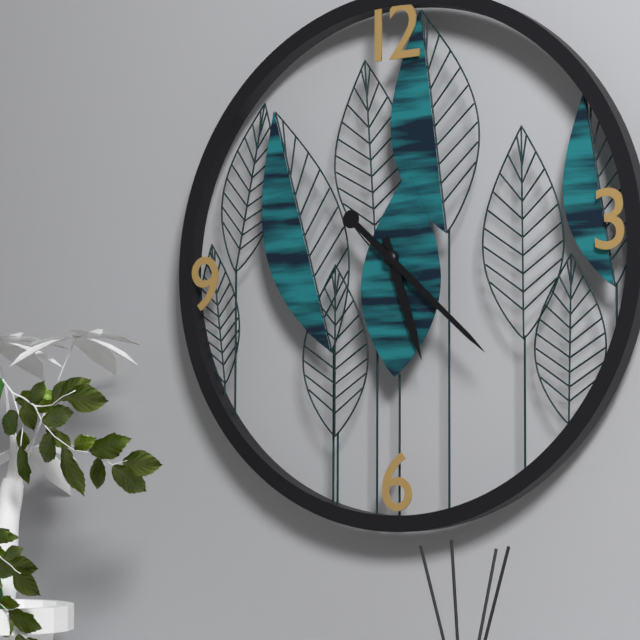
5.22
